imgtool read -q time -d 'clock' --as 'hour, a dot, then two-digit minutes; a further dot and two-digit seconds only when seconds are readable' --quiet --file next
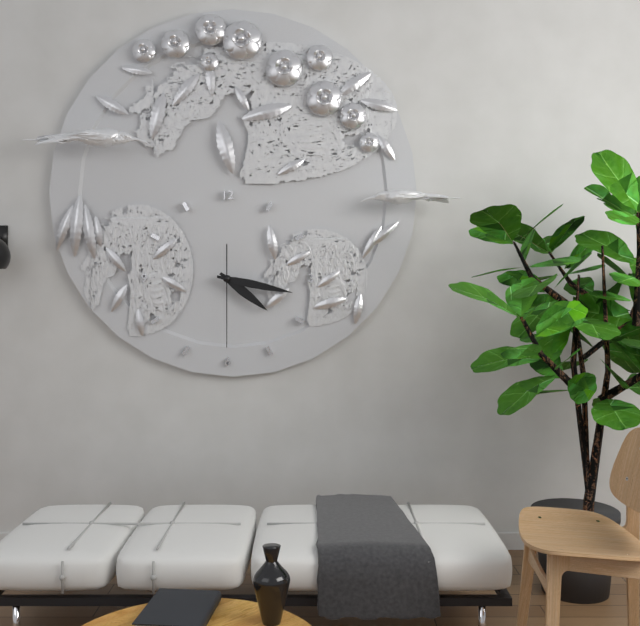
4.17.30
